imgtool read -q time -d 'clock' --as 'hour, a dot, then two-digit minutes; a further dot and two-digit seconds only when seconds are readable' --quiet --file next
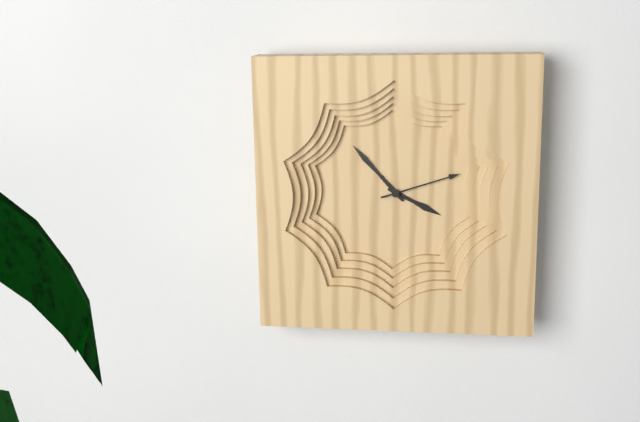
3.53.12
